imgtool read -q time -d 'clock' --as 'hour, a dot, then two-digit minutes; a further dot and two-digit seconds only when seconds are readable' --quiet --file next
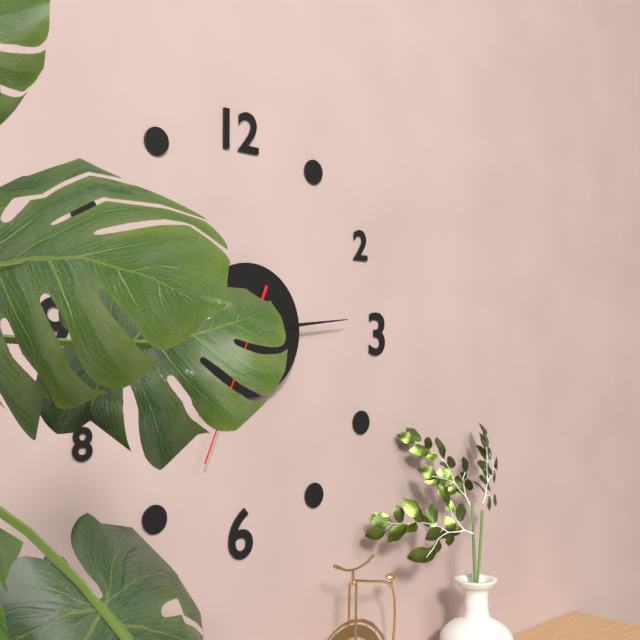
7.14.34
